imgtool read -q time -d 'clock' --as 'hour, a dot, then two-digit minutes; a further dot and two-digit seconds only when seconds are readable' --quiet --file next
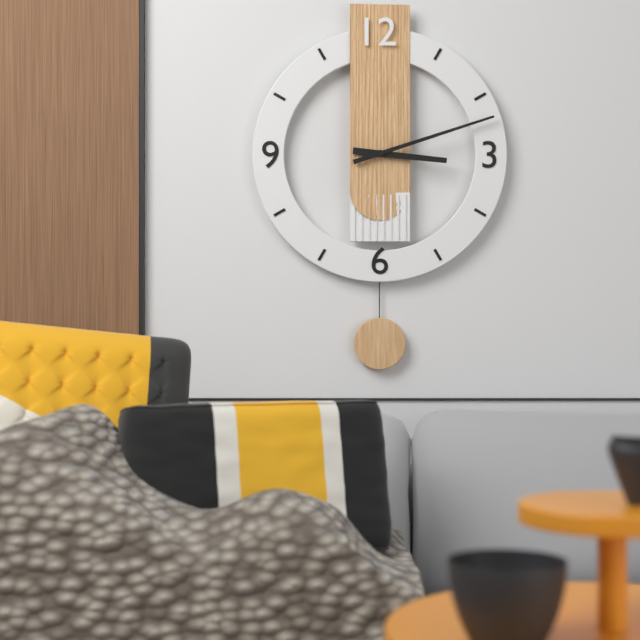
3.12
